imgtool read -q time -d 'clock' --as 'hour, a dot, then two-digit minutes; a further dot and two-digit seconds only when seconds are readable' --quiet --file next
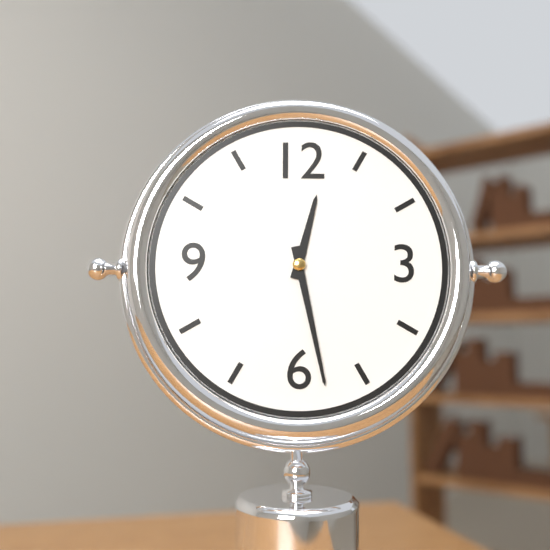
12.28
